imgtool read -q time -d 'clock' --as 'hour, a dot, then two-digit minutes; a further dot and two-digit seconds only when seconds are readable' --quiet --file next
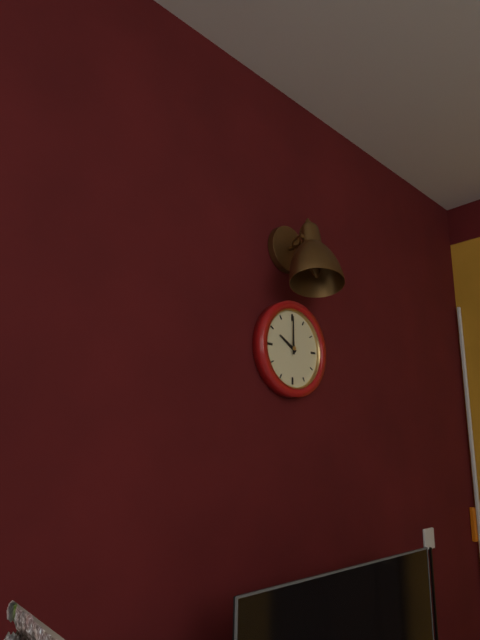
10.00
